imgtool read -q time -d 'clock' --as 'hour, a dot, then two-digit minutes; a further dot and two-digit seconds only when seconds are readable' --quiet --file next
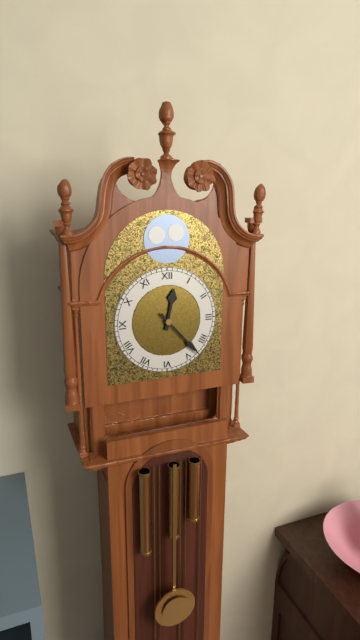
12.23
